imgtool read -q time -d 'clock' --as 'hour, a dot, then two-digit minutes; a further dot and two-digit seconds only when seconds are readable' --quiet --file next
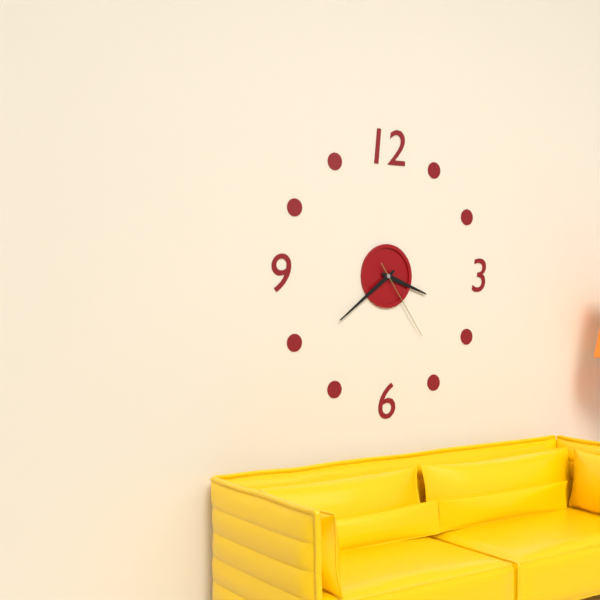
3.39.24
